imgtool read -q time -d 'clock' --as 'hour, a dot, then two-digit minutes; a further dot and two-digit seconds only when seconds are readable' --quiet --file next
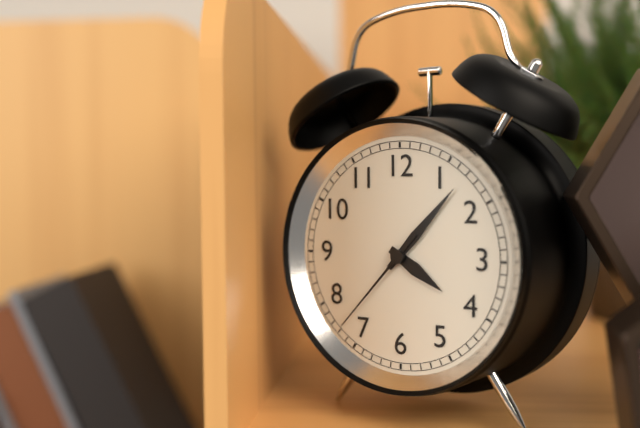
4.07.37
